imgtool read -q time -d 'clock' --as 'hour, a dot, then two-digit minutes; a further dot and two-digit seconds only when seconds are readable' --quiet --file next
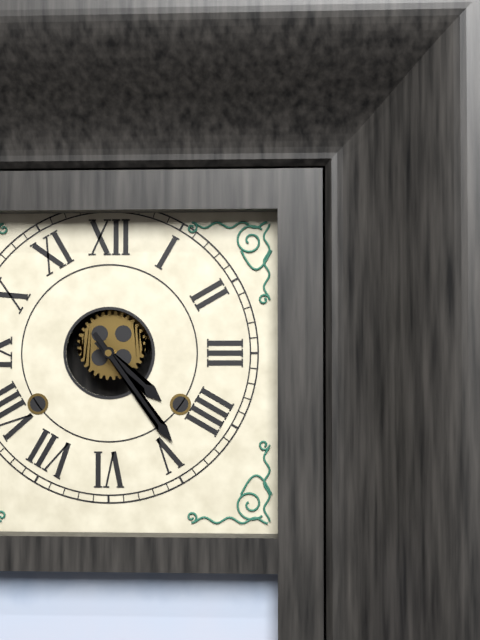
4.24
